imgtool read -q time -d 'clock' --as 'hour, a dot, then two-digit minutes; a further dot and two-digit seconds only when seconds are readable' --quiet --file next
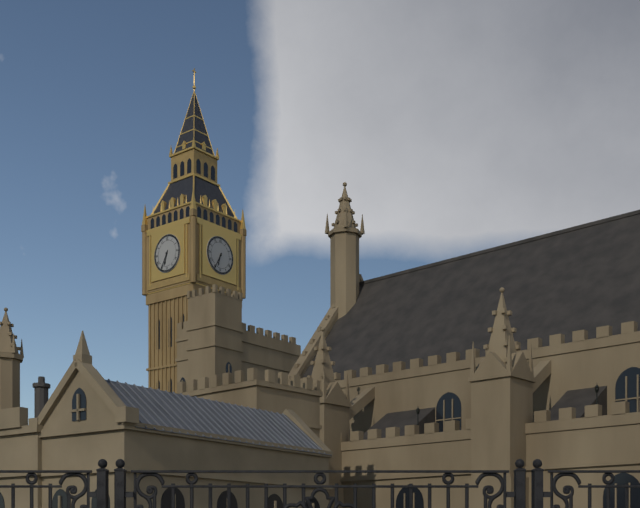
6.35
